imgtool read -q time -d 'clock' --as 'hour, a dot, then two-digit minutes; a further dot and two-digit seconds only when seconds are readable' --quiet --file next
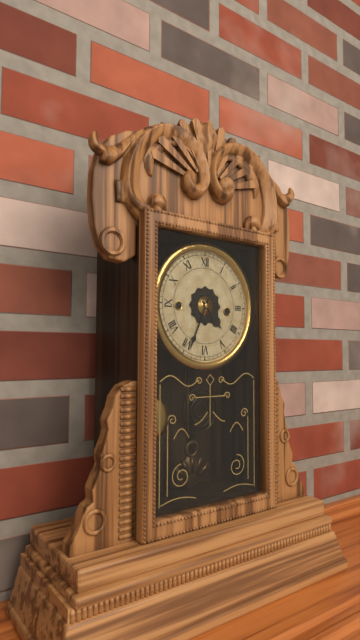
4.34
